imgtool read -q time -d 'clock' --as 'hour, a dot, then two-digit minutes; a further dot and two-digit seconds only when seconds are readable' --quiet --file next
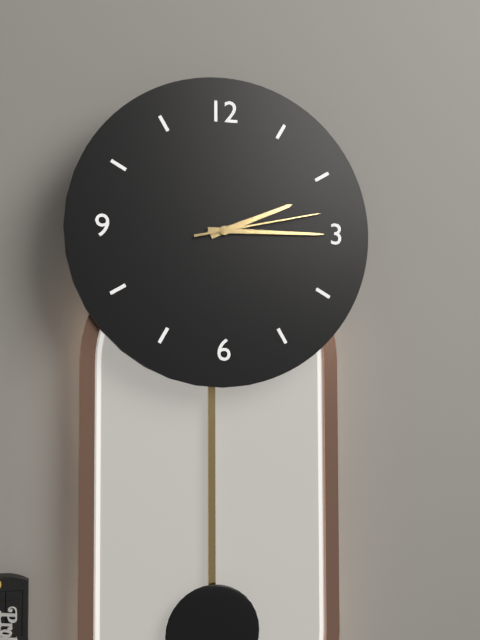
2.15.13
